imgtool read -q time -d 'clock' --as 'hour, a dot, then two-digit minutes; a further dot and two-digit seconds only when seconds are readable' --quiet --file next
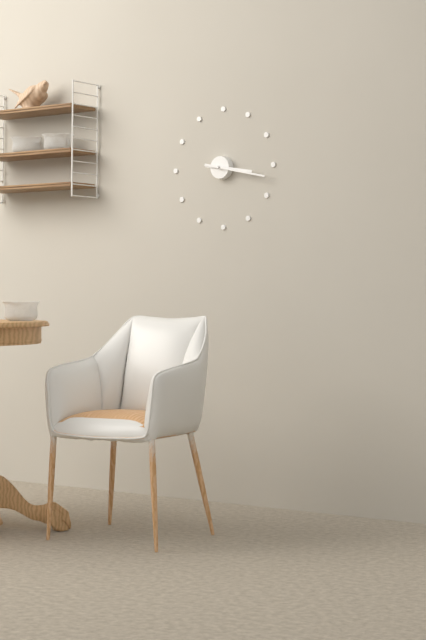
3.17
